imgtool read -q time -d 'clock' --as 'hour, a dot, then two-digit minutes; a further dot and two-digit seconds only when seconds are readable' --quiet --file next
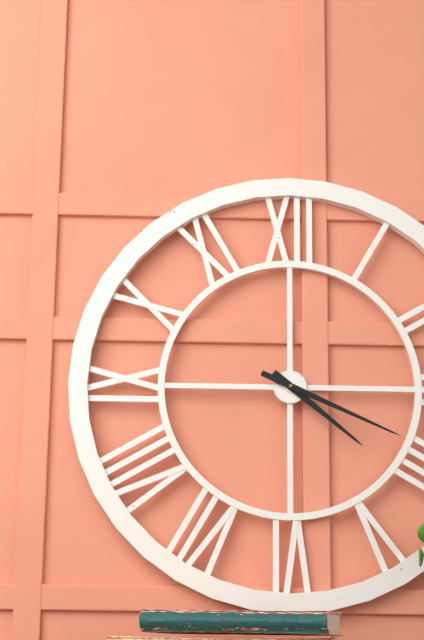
4.19
